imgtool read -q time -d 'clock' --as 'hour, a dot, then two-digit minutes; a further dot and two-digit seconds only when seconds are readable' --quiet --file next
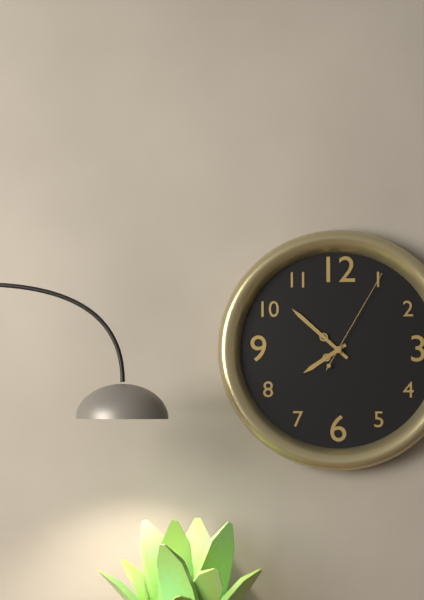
7.52.05
